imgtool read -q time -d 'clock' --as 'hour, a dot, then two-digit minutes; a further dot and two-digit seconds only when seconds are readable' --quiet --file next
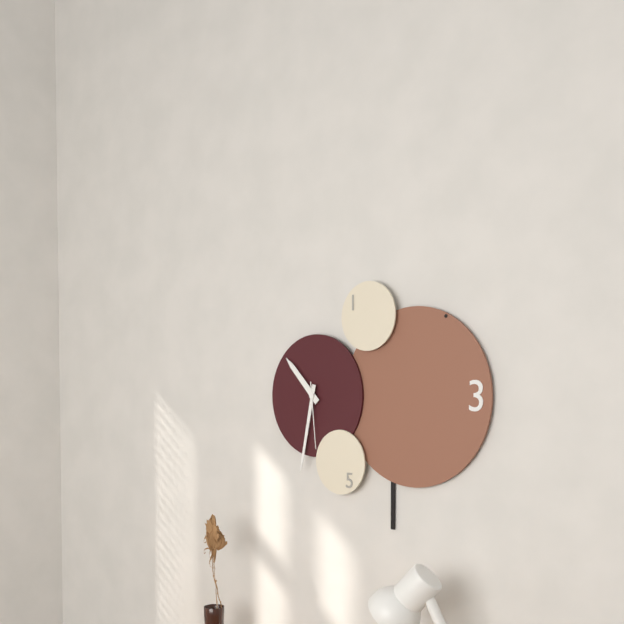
10.32.29
